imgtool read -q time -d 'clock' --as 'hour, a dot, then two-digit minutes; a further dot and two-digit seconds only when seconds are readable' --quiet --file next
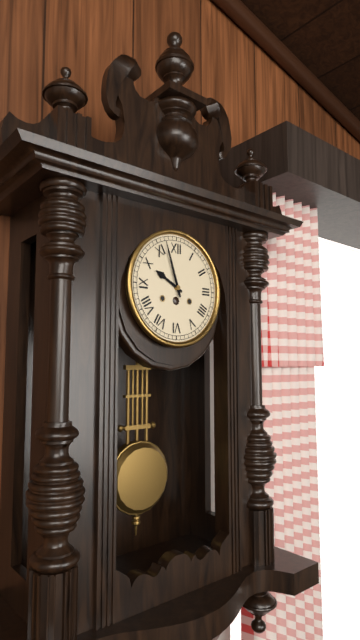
9.57
